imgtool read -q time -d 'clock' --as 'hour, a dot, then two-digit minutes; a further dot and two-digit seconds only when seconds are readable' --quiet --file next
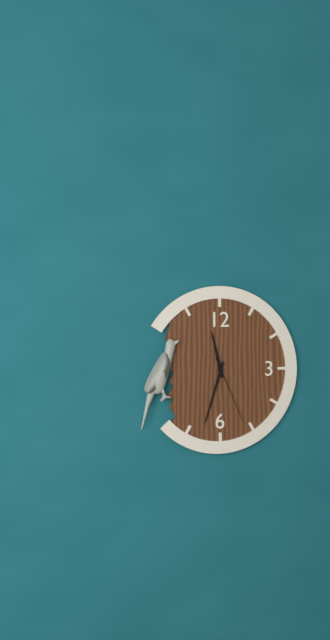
11.33.26
